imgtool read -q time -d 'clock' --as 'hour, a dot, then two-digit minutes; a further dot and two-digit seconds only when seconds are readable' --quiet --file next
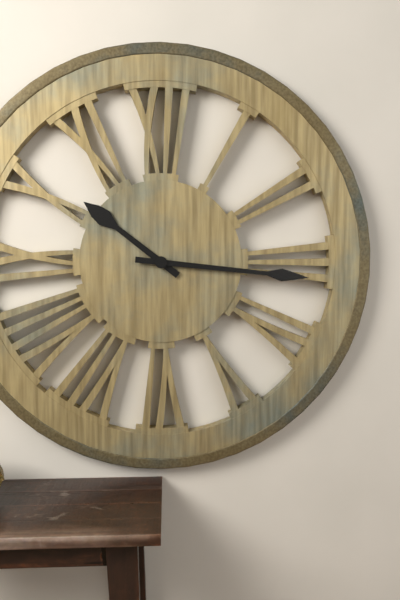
10.16
